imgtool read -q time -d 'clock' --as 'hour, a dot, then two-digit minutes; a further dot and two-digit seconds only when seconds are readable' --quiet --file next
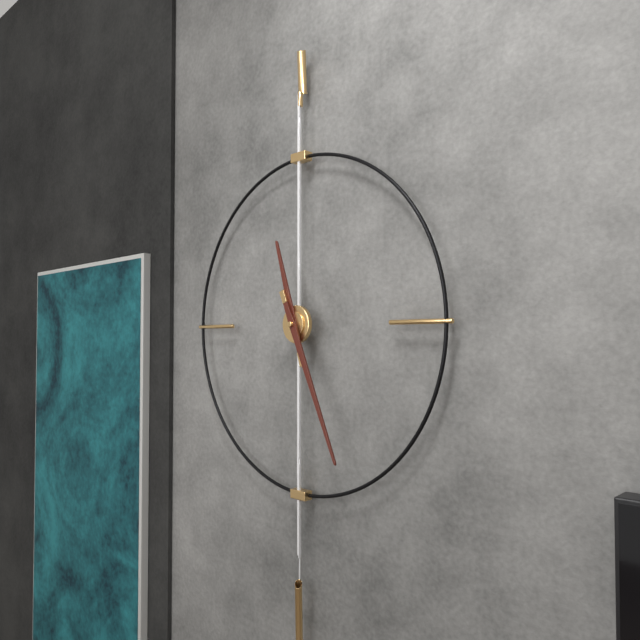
11.26
